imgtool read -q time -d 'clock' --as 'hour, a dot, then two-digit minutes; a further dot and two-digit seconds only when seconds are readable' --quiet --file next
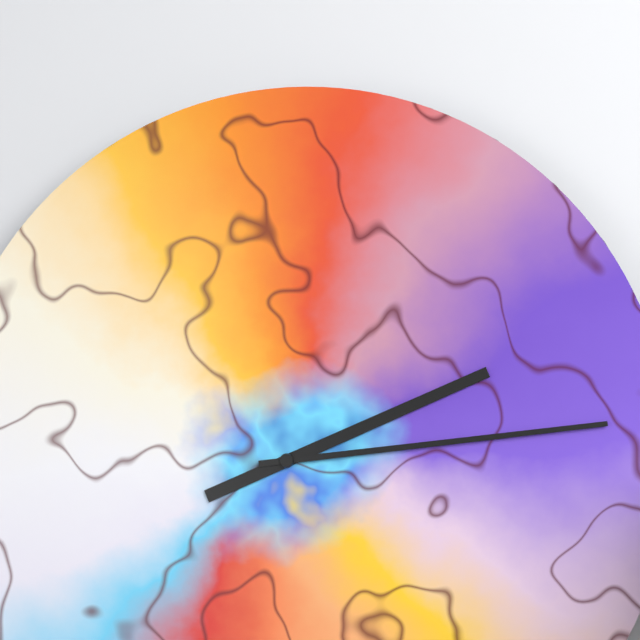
2.14
